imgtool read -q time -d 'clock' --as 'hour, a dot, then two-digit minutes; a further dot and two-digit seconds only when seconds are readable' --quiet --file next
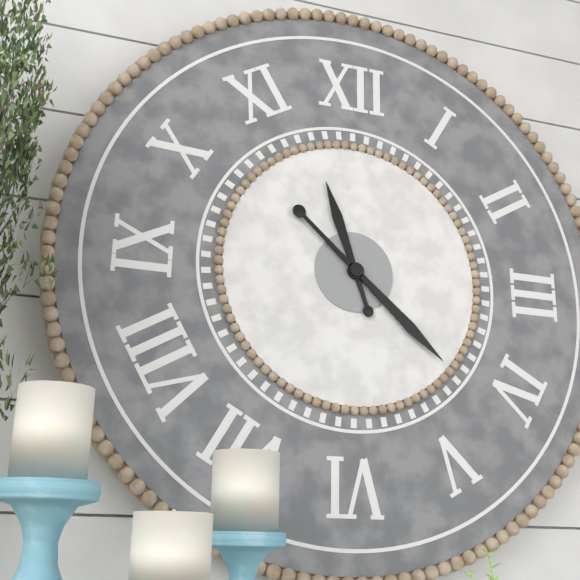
11.22
